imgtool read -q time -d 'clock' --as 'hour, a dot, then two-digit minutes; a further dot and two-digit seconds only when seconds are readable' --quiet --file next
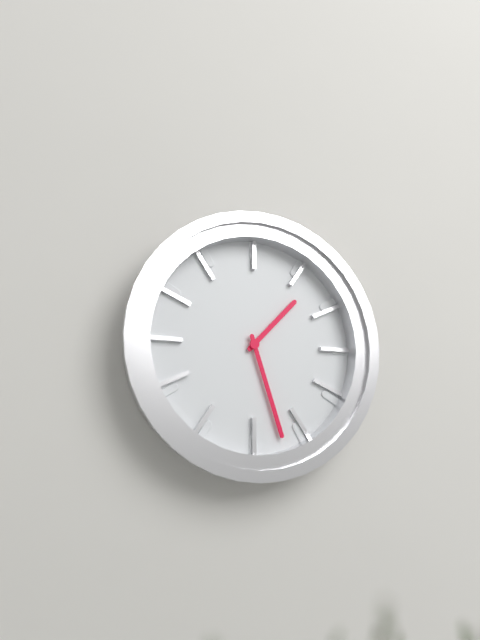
1.27
